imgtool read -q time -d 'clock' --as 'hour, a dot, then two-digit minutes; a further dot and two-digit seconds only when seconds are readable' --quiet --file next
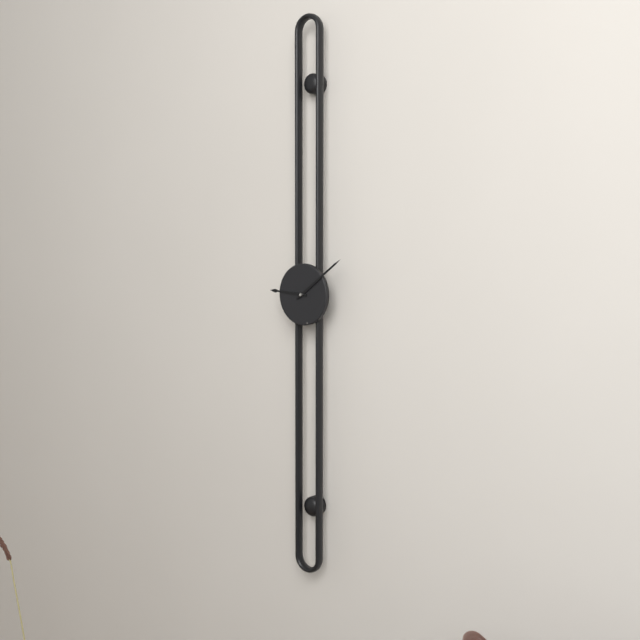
9.09
